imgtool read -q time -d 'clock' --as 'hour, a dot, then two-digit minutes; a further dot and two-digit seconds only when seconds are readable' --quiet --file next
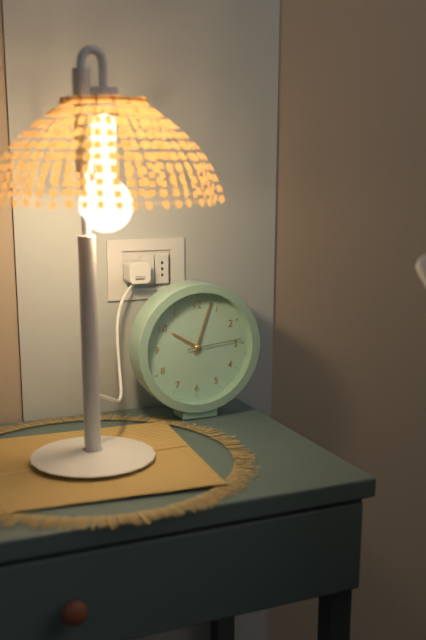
10.03.14
